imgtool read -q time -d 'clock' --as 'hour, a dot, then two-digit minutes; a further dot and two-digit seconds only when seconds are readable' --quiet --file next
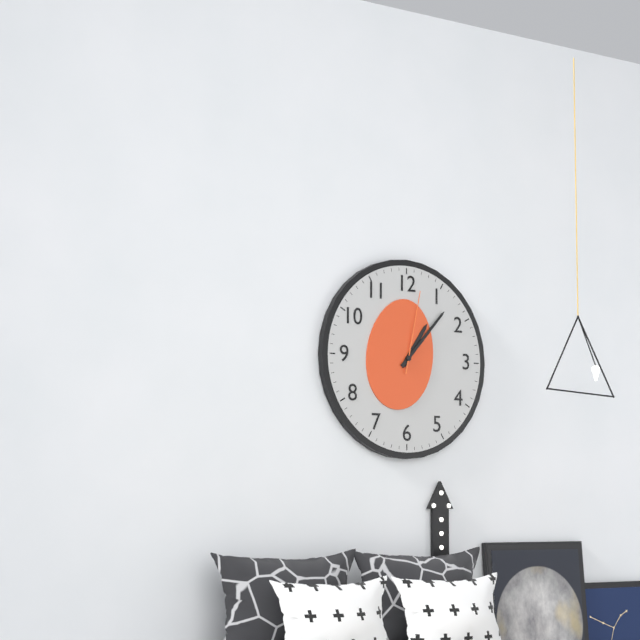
1.07.02
